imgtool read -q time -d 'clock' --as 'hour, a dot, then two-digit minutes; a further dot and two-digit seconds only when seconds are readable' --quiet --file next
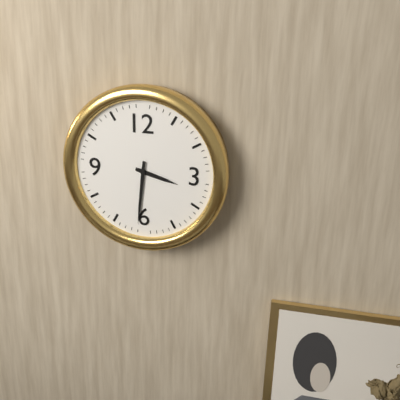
3.31
